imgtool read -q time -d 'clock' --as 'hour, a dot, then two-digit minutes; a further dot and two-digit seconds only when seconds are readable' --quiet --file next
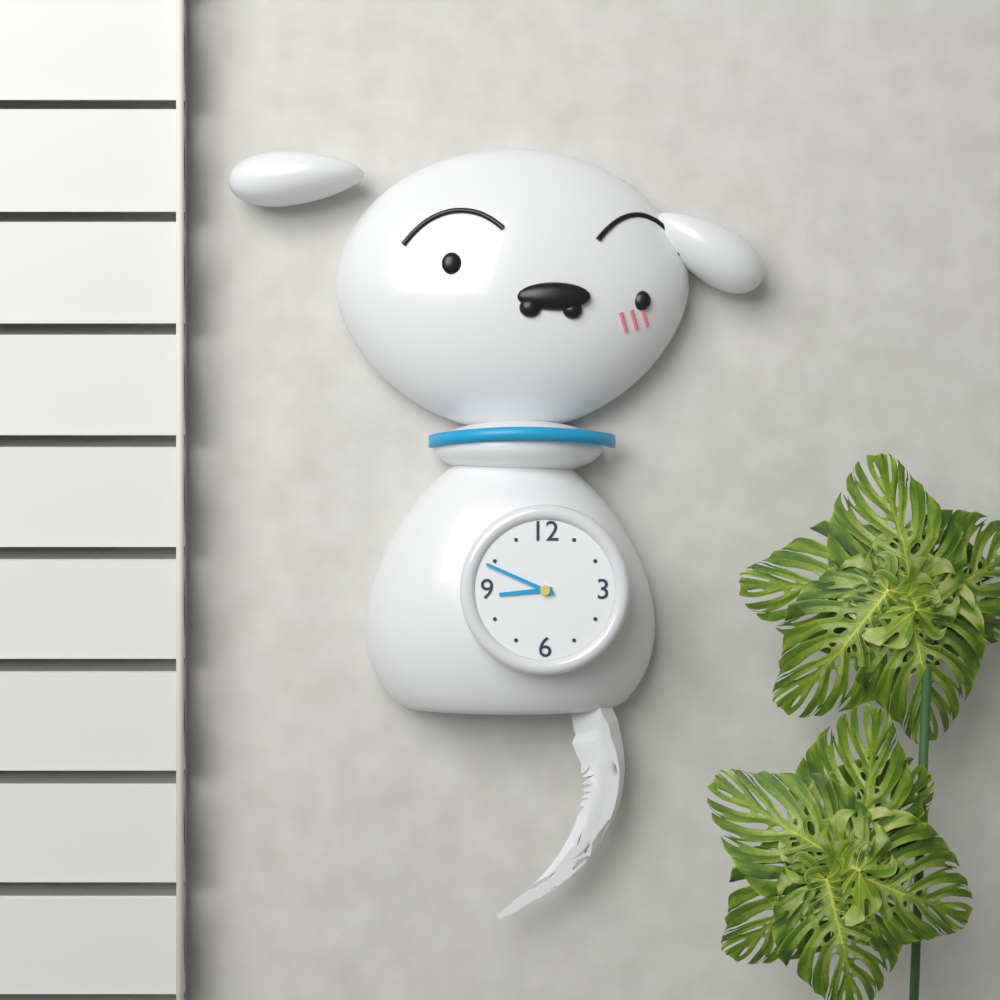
8.49
